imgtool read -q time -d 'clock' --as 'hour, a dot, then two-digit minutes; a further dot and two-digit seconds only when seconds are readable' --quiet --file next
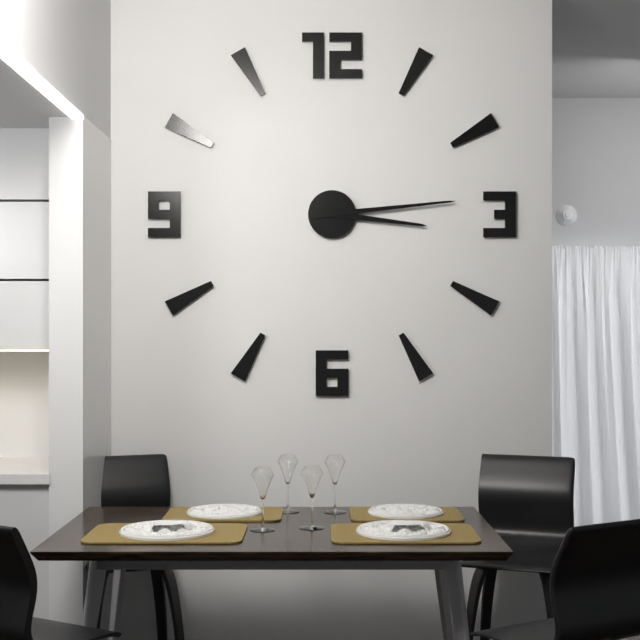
3.14
